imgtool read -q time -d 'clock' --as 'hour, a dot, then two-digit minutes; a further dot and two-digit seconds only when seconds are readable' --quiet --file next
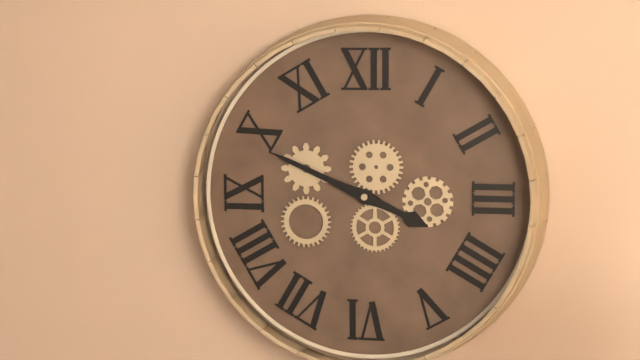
3.49
